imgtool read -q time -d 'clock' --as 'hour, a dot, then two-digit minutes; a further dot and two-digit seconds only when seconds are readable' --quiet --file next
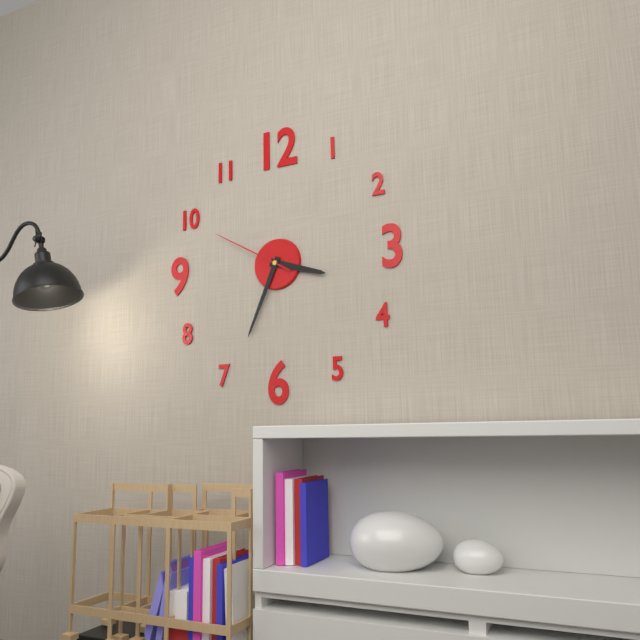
3.34.50
